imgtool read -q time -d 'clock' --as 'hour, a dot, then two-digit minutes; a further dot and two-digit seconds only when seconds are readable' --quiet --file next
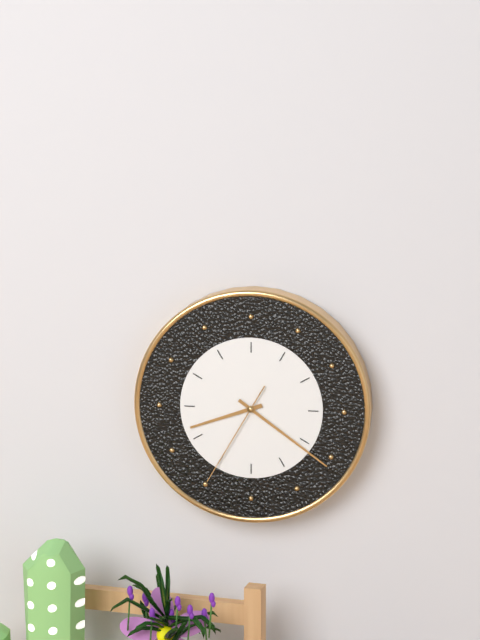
8.21.35
